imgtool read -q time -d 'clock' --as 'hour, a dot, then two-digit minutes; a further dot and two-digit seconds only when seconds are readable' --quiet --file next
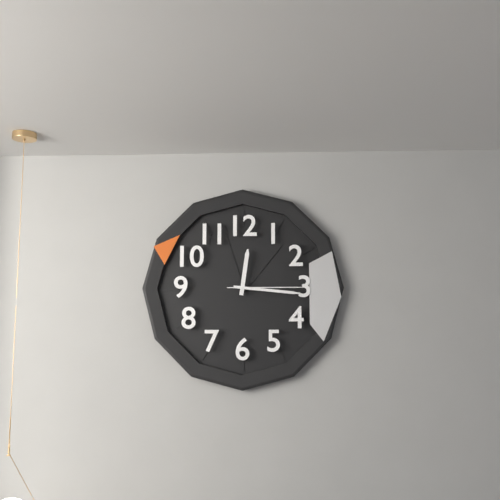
12.16.15
